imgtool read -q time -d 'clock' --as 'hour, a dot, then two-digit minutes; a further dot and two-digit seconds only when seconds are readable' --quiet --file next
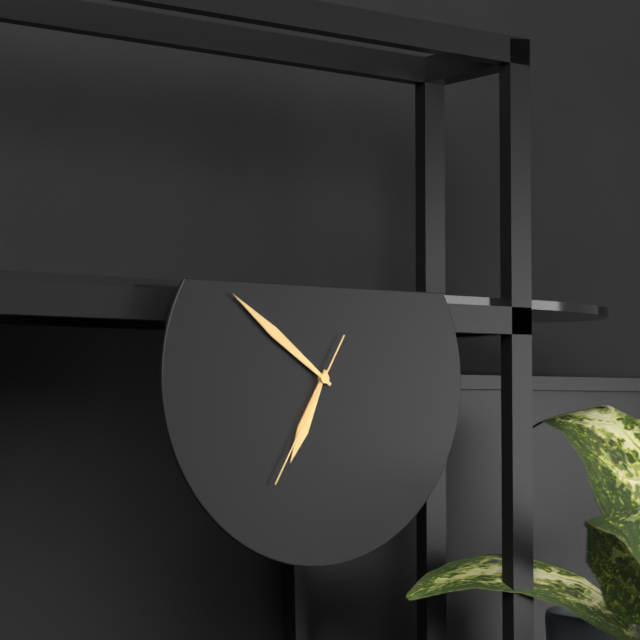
6.51.35
